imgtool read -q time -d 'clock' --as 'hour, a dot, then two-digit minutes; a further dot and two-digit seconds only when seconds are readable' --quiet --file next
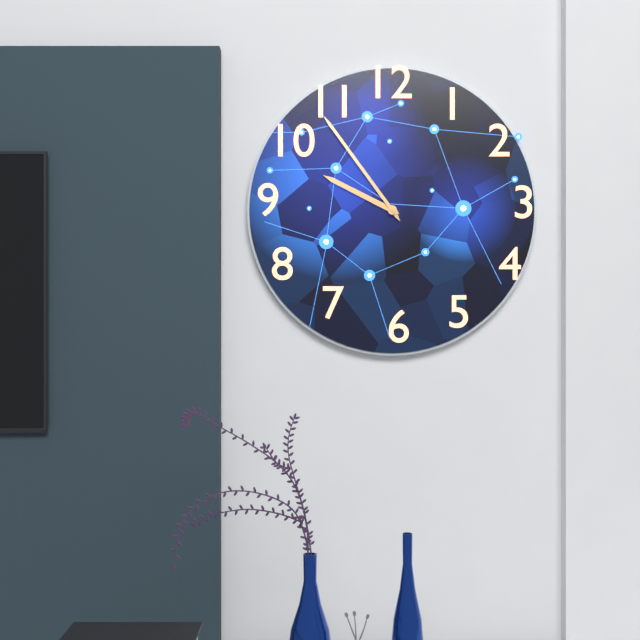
9.54
